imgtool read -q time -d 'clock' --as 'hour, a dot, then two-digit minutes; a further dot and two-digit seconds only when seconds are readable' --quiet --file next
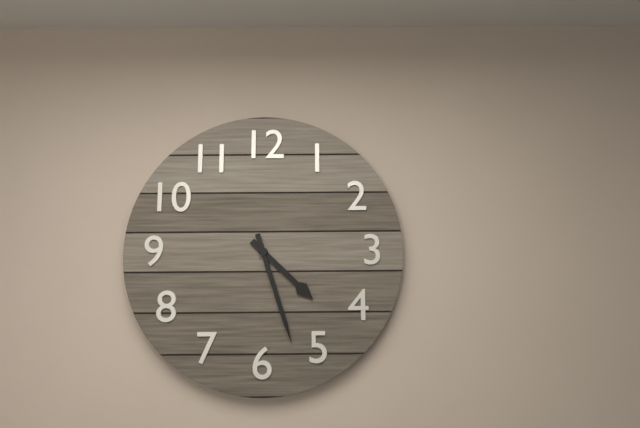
4.27
